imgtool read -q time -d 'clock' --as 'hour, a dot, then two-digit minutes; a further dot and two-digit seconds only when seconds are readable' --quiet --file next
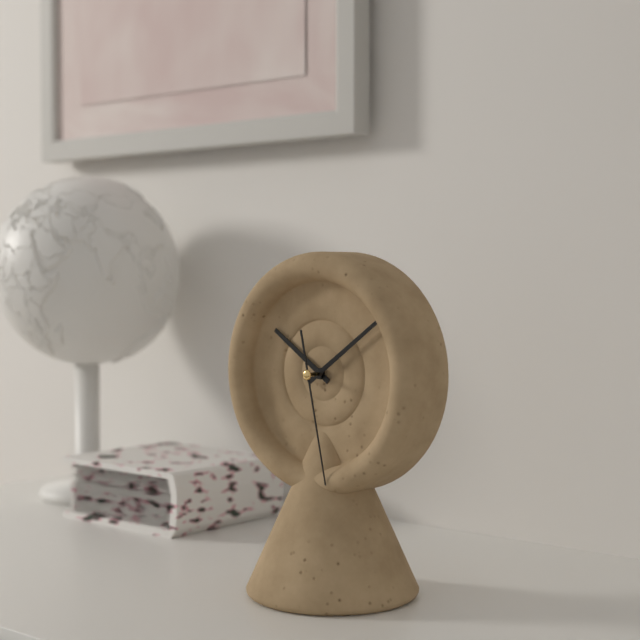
10.09.28
